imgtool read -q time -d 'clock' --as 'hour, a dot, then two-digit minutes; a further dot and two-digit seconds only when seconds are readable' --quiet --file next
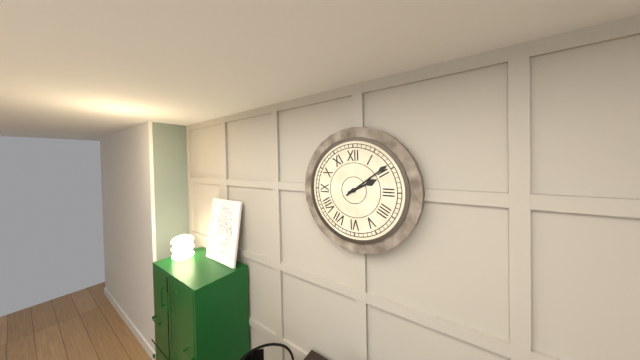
2.09
